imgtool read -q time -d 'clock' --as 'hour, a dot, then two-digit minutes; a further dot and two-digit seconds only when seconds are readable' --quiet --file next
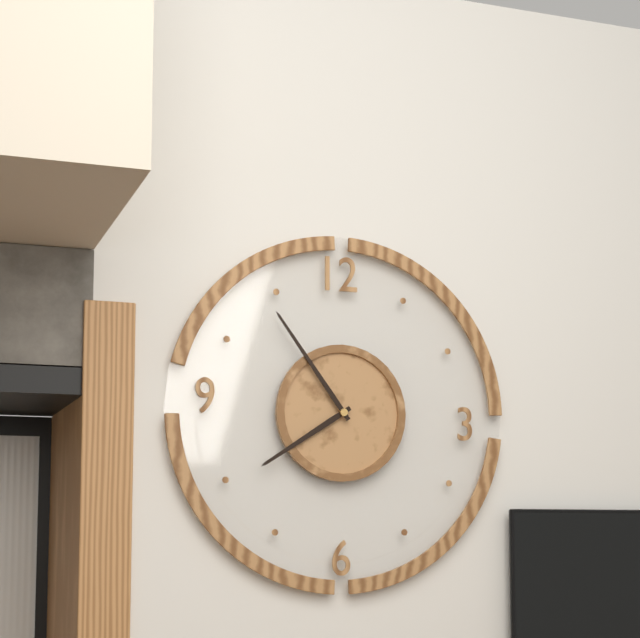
7.54
